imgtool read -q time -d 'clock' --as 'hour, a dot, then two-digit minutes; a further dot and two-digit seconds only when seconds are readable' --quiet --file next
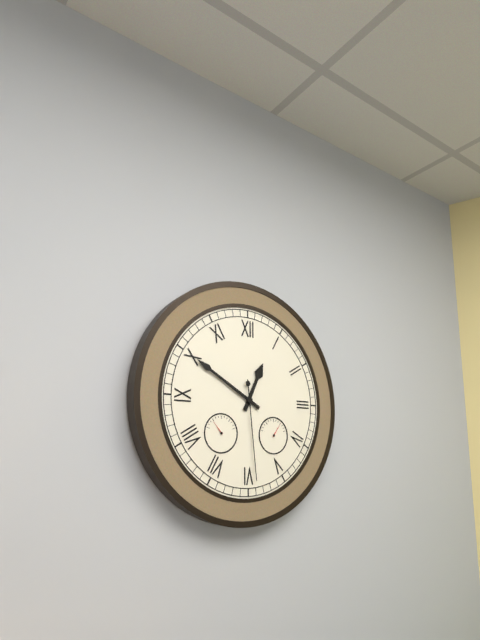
12.50.29
